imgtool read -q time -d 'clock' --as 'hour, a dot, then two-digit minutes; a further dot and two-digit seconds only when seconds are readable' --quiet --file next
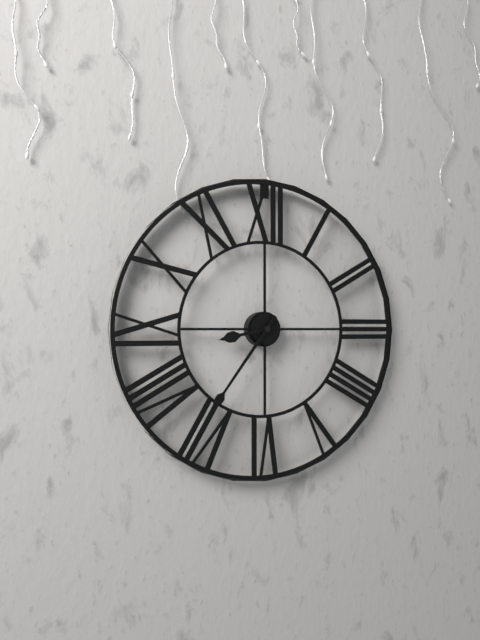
8.36
